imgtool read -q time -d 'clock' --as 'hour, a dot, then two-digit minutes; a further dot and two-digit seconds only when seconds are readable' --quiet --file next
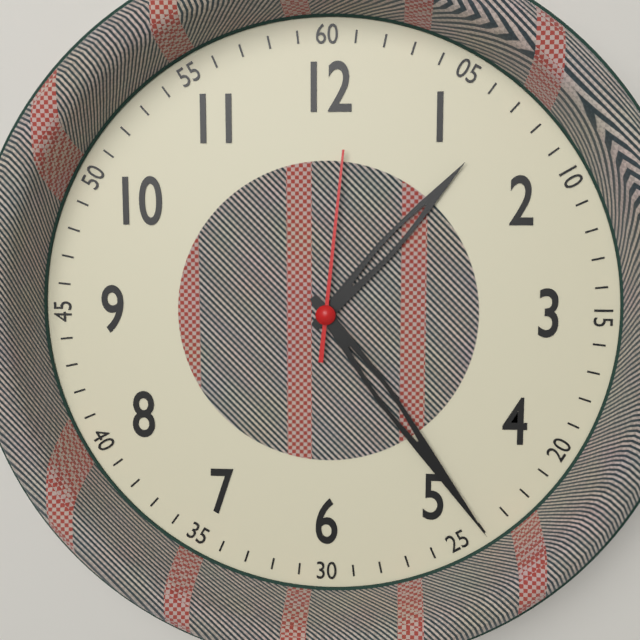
1.24.01
